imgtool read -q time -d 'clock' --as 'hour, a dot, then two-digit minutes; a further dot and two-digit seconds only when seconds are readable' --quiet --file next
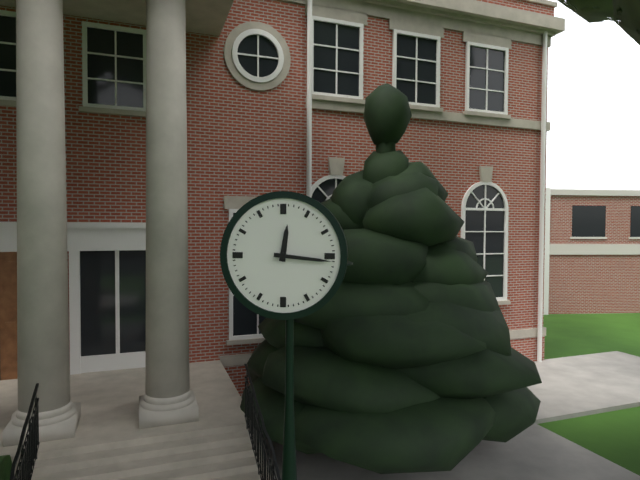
12.16
